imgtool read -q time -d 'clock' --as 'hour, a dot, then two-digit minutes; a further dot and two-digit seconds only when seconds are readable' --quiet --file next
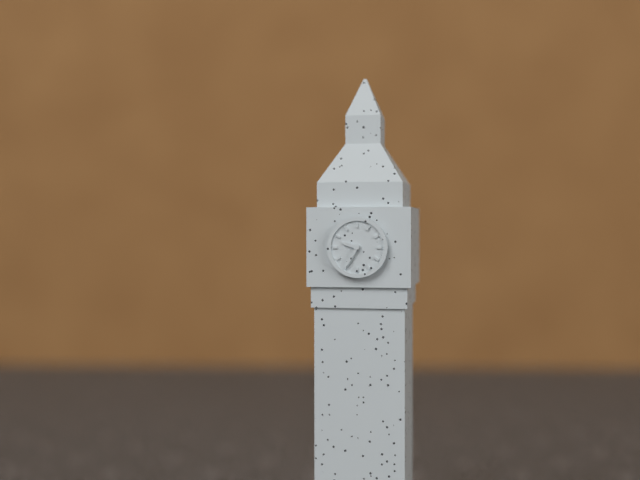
9.35
